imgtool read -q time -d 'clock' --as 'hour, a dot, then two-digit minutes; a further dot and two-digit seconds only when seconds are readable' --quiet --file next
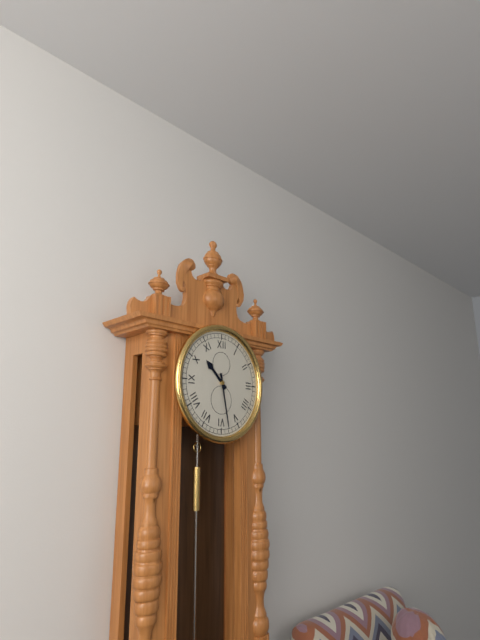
10.28
